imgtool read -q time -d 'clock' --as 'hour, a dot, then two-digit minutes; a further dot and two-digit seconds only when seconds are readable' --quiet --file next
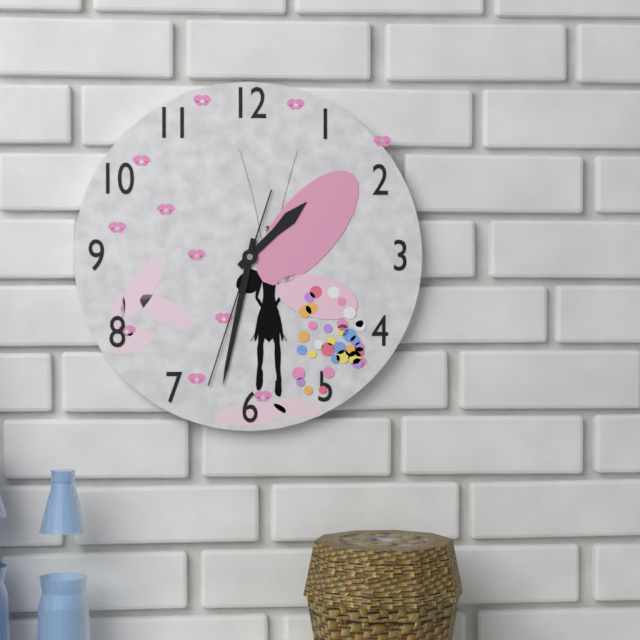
1.32.33
